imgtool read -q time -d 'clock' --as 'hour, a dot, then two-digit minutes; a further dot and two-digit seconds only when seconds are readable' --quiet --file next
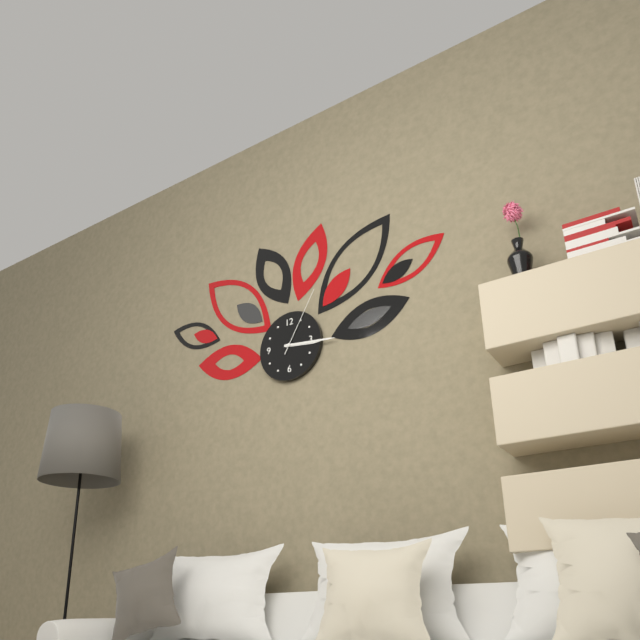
3.16.05
